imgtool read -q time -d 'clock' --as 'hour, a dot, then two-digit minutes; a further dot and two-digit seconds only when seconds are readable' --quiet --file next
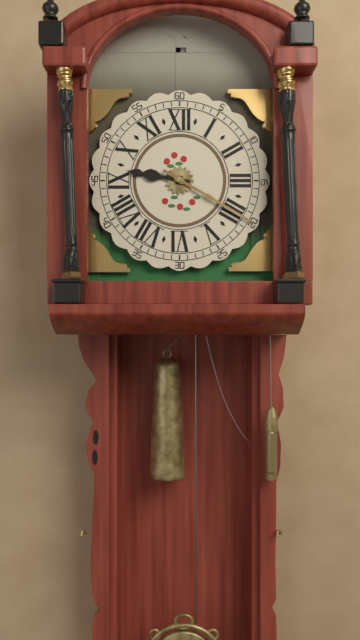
9.20
